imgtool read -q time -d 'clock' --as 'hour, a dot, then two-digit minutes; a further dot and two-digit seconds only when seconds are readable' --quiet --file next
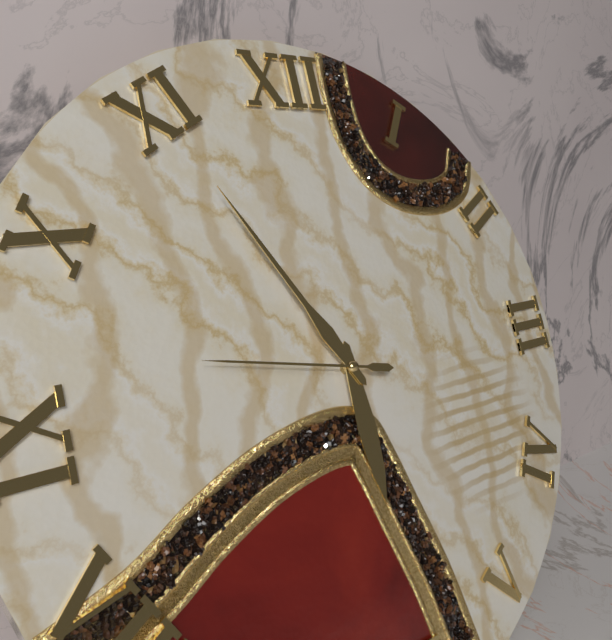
5.55.47
